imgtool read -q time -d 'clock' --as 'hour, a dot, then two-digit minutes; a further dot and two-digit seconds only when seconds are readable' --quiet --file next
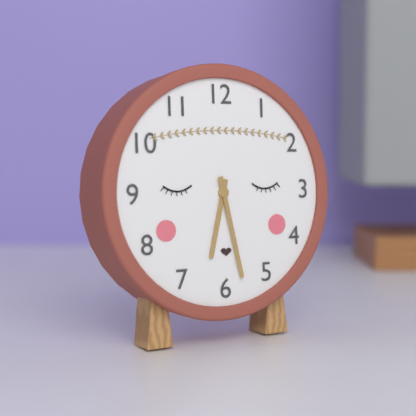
6.28
